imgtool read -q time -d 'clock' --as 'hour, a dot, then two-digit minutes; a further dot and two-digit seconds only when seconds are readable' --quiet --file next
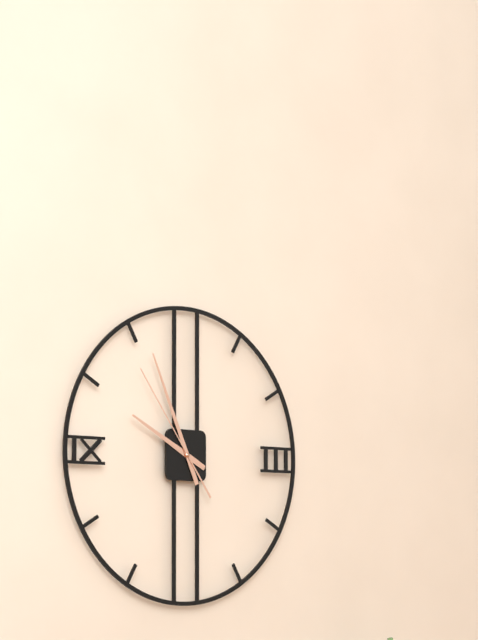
9.56.54
